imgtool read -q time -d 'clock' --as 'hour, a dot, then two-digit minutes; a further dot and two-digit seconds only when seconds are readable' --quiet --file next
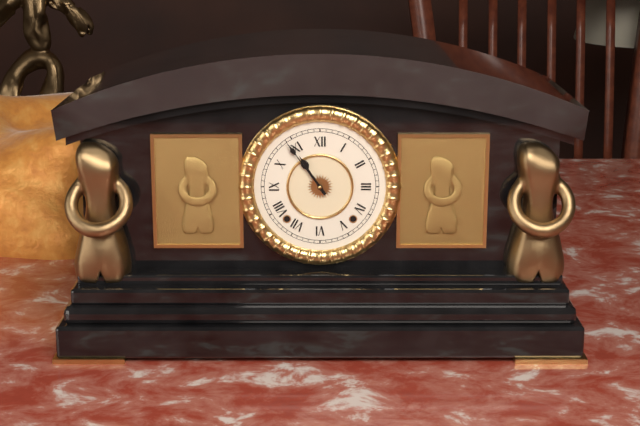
10.54
